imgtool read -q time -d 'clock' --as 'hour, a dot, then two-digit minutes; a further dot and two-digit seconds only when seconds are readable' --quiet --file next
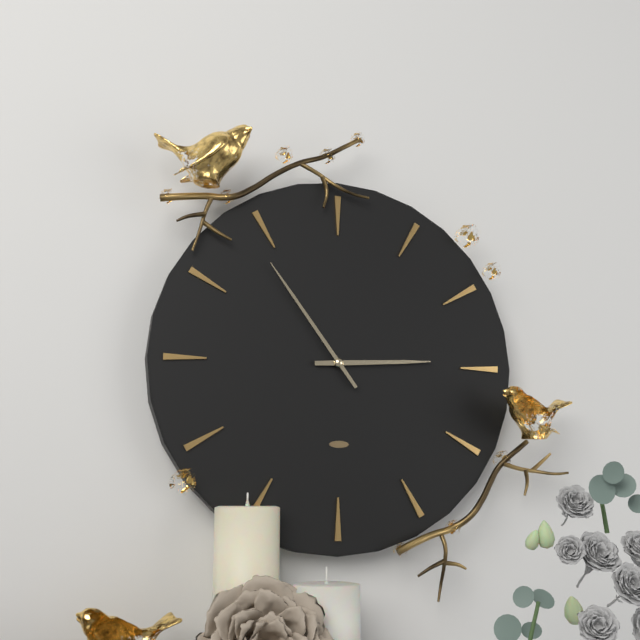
2.54
